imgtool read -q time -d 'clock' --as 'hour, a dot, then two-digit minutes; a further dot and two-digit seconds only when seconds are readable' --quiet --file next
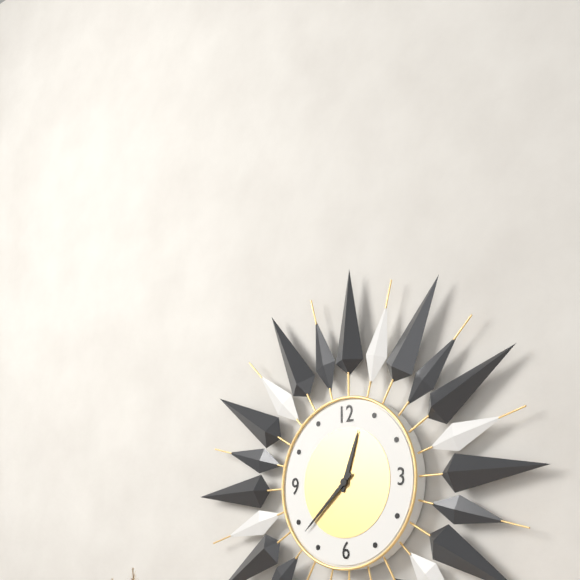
12.38
